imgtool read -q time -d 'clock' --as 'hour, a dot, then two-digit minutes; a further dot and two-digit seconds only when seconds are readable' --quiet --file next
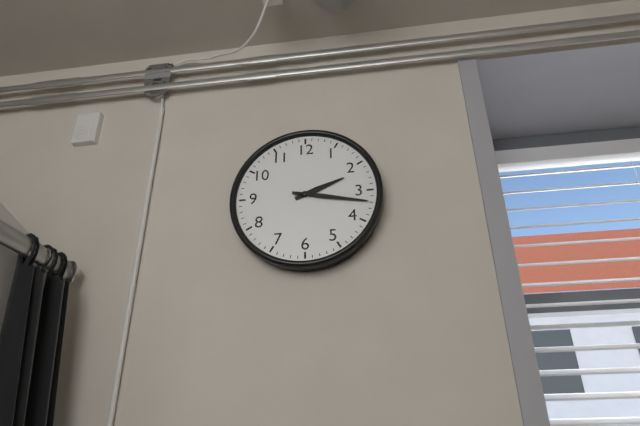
2.17
